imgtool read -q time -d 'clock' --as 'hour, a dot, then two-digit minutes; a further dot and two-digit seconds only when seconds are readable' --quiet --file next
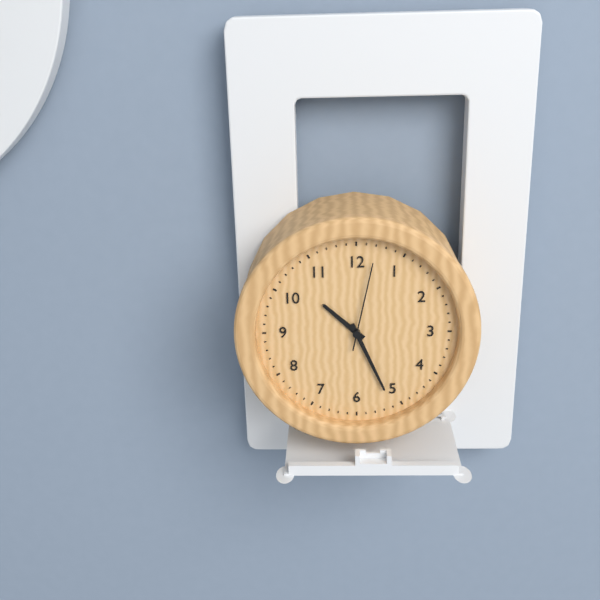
10.26.02
